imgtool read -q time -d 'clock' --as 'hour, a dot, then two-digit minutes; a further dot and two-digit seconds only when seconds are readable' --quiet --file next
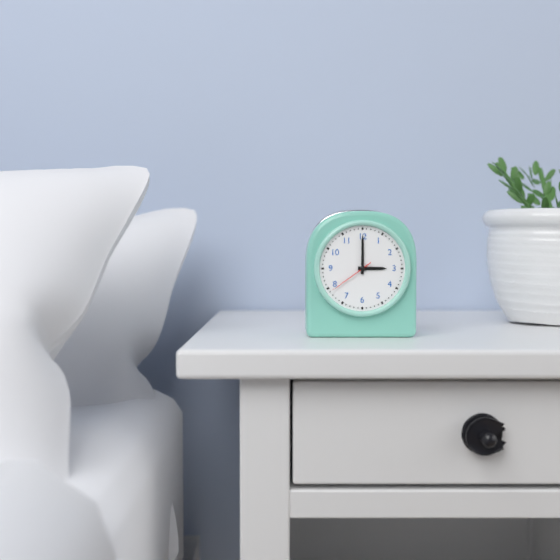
3.00
